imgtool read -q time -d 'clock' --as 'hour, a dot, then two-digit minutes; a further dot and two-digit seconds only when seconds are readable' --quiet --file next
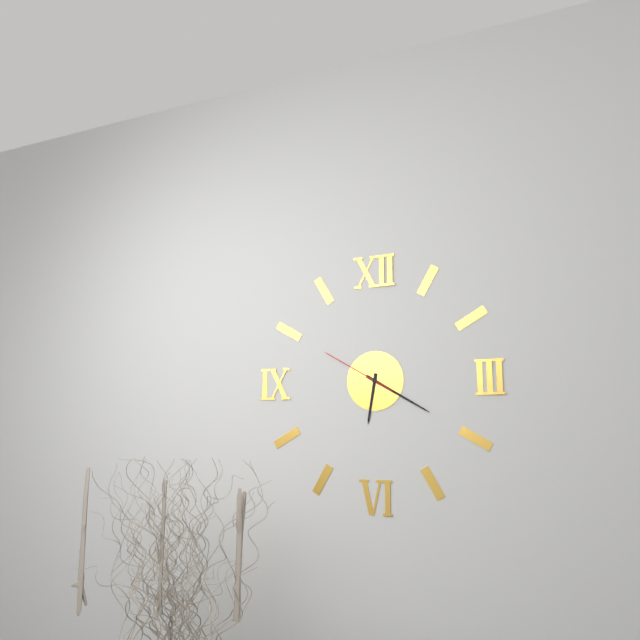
6.20.50
